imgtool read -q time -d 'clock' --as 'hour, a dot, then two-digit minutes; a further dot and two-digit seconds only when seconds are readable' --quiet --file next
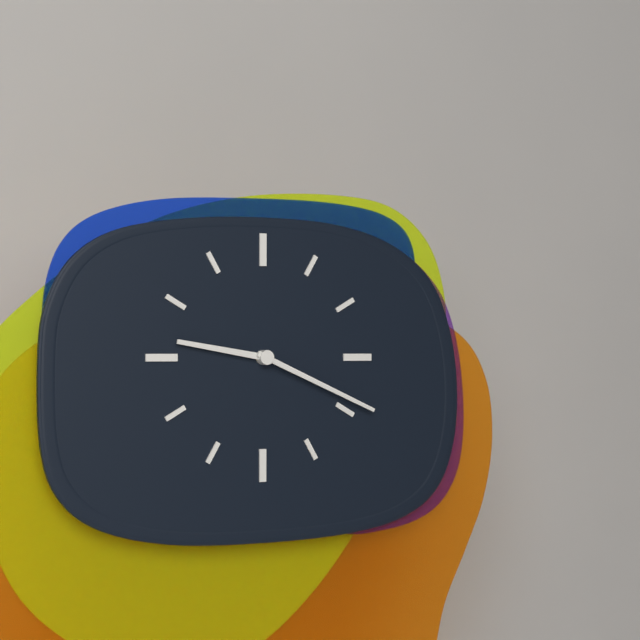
9.19
